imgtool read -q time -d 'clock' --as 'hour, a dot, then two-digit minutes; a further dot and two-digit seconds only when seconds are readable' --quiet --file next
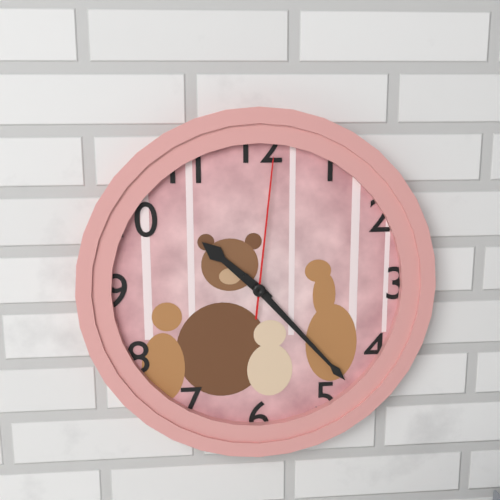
10.23.01
